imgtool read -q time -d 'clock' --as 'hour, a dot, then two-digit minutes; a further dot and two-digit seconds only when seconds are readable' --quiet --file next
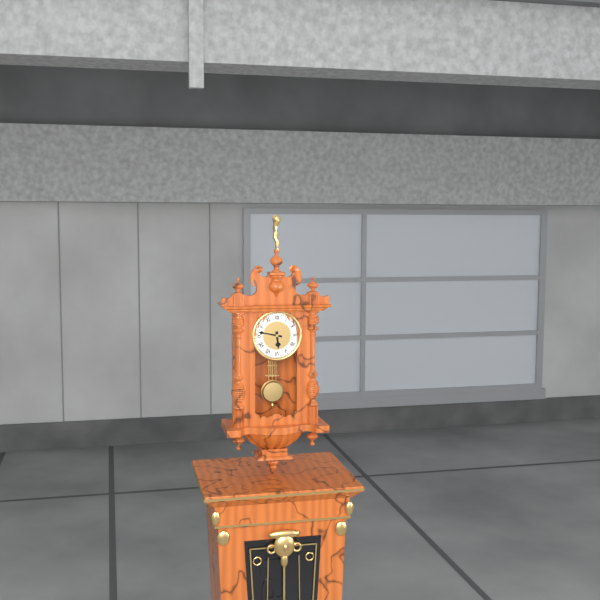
5.47
